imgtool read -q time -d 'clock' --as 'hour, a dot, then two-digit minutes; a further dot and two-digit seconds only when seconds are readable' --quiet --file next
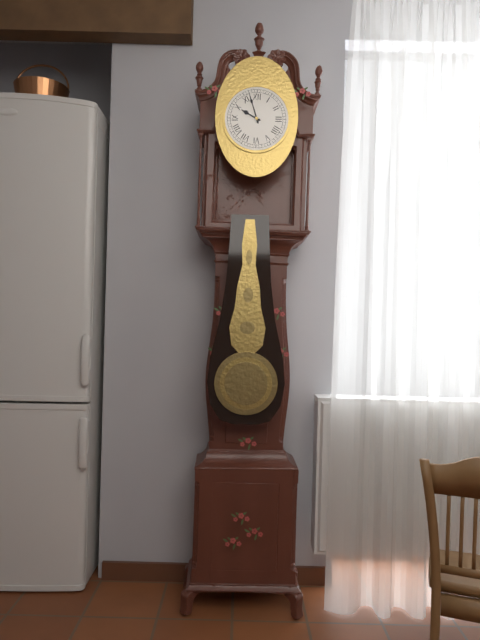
9.57
